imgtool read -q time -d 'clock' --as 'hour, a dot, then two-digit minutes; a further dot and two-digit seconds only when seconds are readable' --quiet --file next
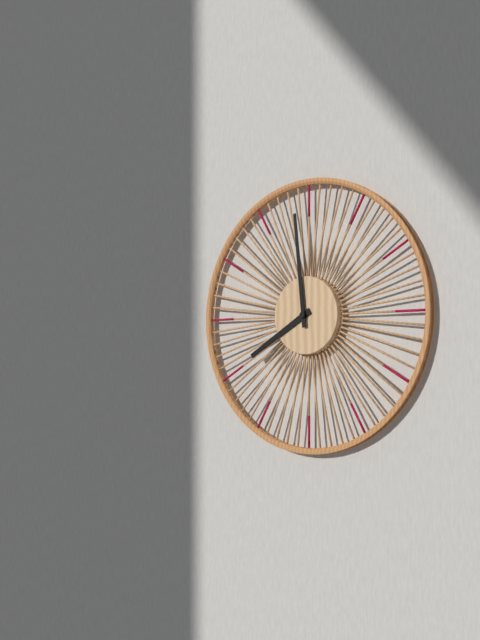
7.59
